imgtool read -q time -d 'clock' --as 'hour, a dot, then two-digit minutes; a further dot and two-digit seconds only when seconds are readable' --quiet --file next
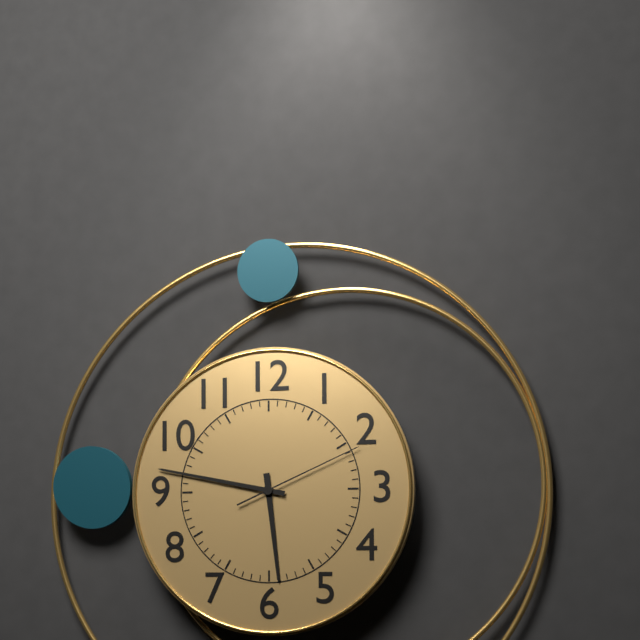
5.47.11
